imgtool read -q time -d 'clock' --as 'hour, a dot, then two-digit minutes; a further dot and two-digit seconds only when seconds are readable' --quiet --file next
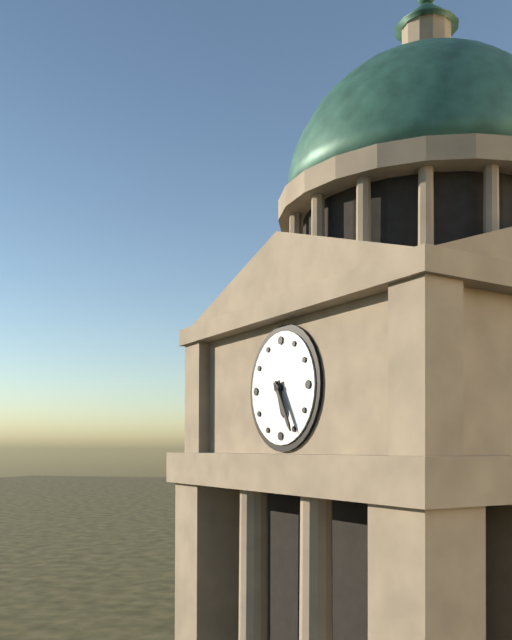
5.25
